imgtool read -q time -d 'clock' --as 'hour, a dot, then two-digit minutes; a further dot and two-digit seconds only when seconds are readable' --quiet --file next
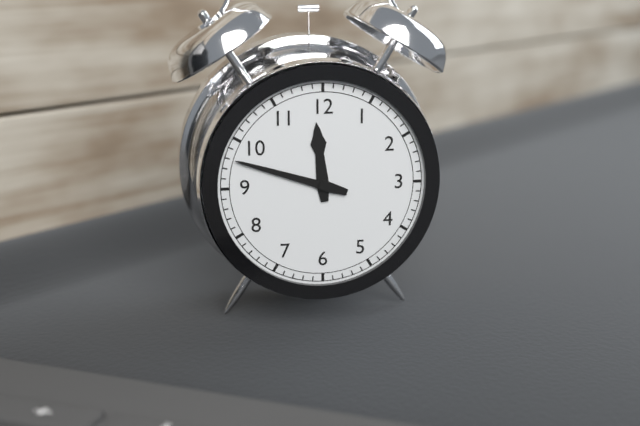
11.48
